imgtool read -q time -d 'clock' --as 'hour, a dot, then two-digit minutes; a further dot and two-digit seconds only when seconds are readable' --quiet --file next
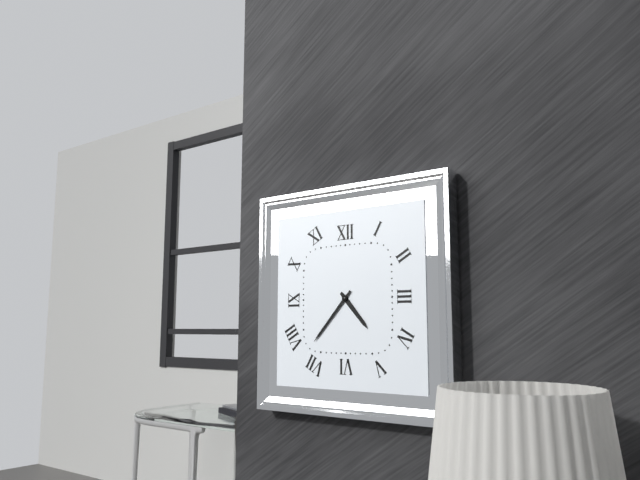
4.37
